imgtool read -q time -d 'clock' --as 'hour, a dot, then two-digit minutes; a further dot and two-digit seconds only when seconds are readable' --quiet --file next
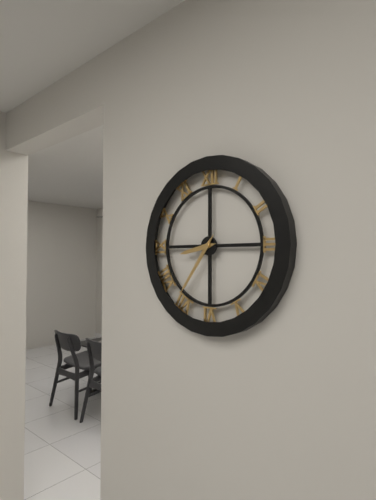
8.36
